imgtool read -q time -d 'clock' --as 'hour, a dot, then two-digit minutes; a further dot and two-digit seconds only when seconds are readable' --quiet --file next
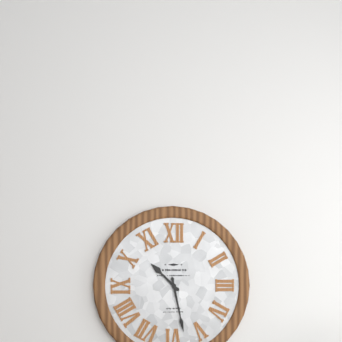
10.28
